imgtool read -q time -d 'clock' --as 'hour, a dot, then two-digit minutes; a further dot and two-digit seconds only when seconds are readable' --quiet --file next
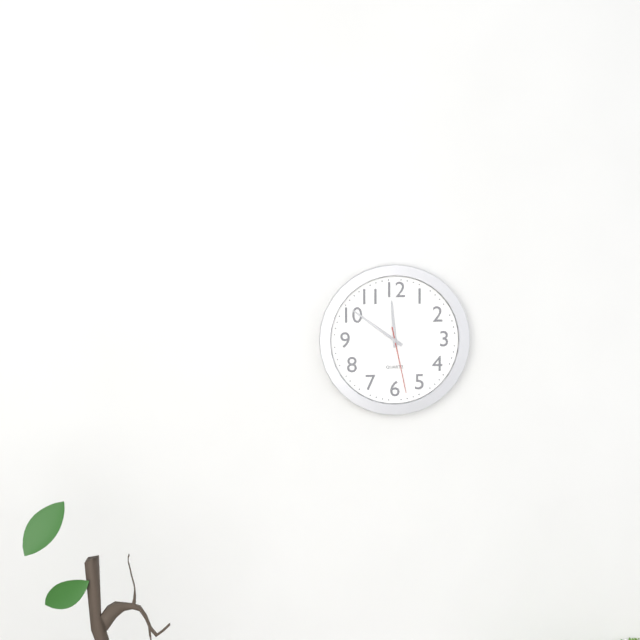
11.51.28
